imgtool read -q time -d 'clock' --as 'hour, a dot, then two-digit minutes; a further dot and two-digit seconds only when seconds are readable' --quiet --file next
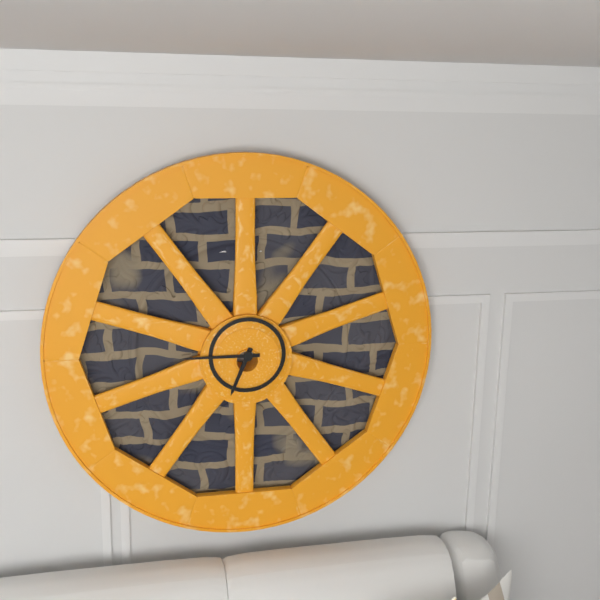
6.45
